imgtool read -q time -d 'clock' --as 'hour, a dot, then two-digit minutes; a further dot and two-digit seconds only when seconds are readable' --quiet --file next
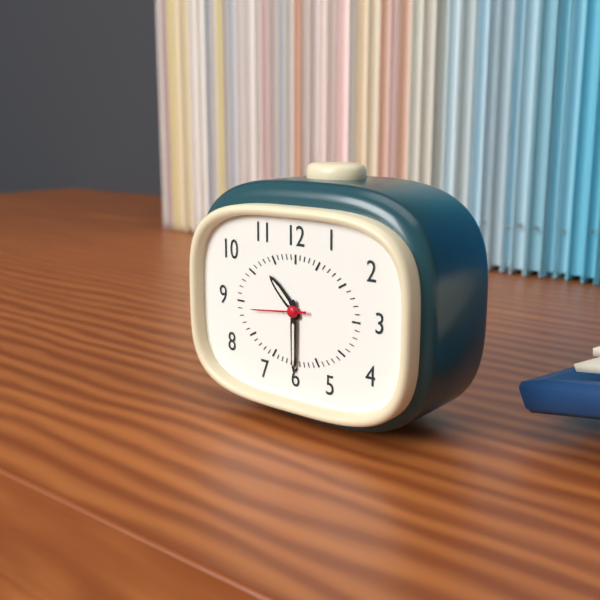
10.30.44
